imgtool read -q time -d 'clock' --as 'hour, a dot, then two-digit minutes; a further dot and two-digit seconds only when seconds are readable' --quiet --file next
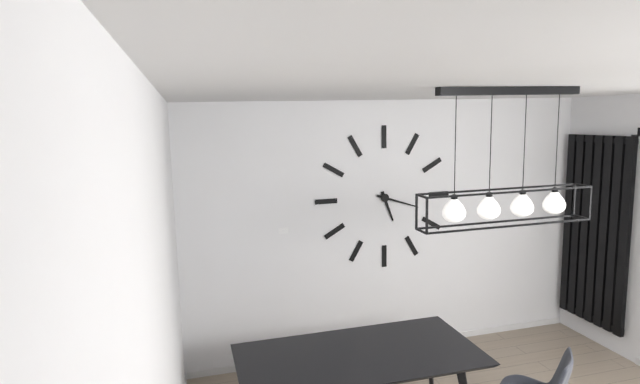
5.18
